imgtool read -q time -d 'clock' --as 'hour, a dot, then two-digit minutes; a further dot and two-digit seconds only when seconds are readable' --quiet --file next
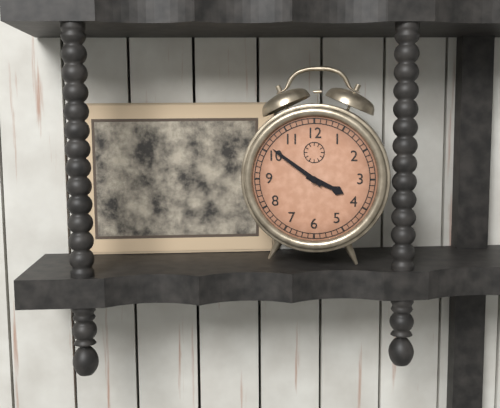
3.51
